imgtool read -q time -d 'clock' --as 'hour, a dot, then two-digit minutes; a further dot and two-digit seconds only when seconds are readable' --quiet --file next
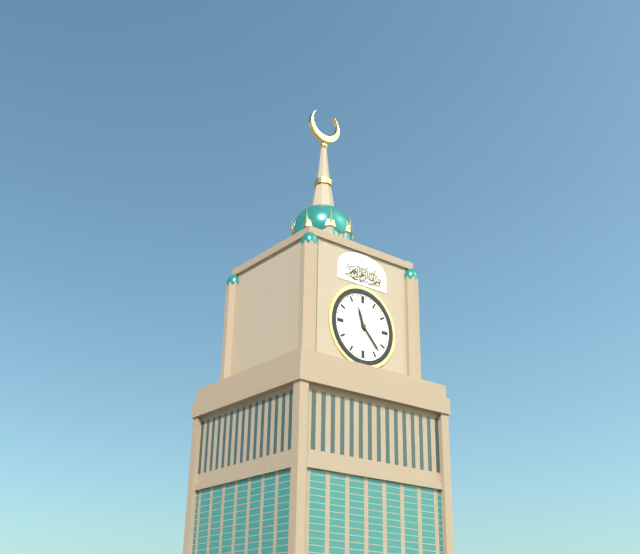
11.23
